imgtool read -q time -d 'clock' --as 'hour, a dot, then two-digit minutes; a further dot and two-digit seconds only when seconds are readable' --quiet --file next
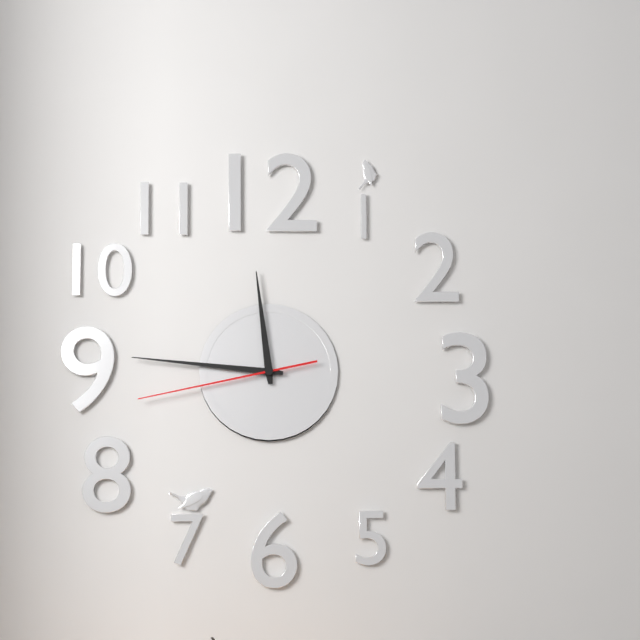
11.46.43
